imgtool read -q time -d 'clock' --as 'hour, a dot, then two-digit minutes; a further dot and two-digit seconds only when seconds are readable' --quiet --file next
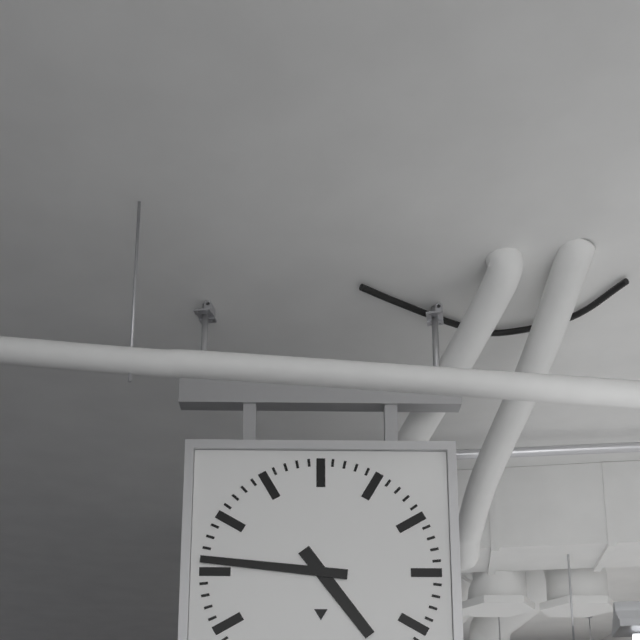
4.46
